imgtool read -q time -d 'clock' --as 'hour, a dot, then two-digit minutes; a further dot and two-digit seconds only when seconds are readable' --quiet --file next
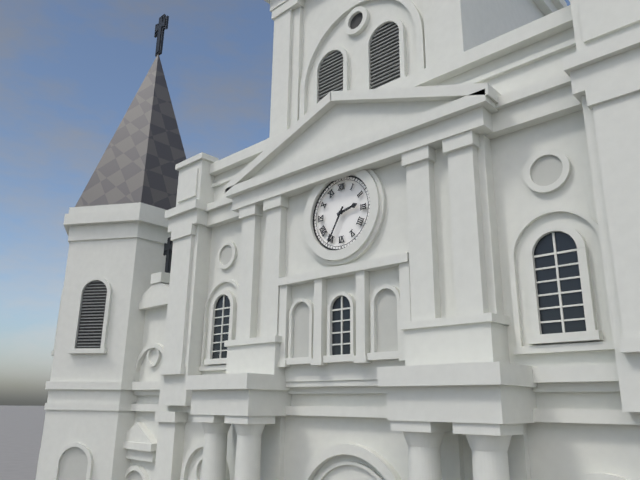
2.35
